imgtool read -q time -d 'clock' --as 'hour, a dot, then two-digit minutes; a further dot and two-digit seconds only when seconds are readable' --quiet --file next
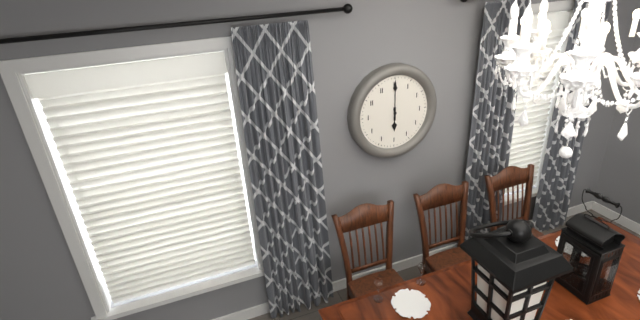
6.00
